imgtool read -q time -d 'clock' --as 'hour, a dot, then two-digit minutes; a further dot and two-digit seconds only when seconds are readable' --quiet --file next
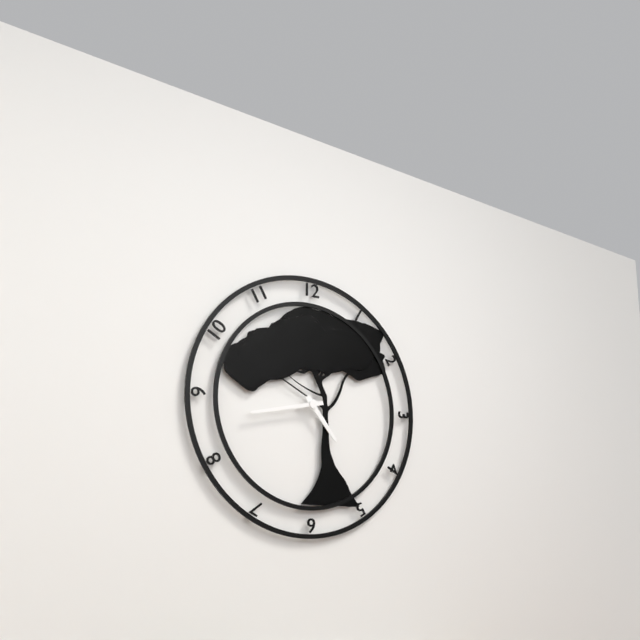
4.43
